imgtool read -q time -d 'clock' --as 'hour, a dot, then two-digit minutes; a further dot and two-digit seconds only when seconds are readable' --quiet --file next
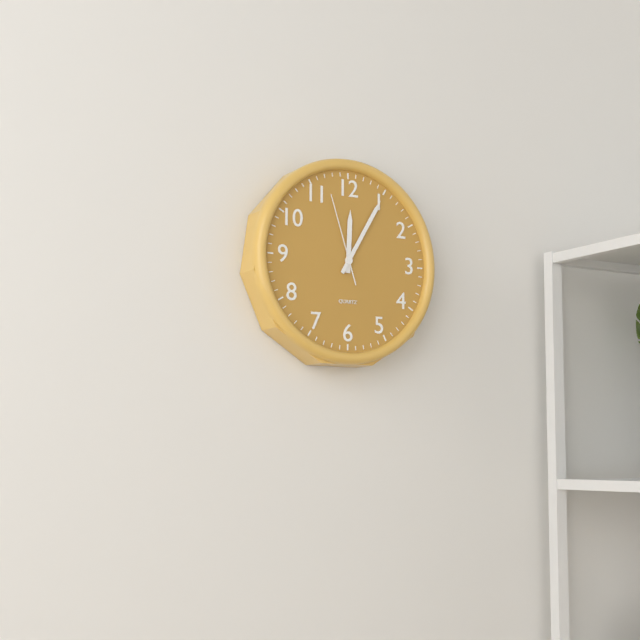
12.05.57
